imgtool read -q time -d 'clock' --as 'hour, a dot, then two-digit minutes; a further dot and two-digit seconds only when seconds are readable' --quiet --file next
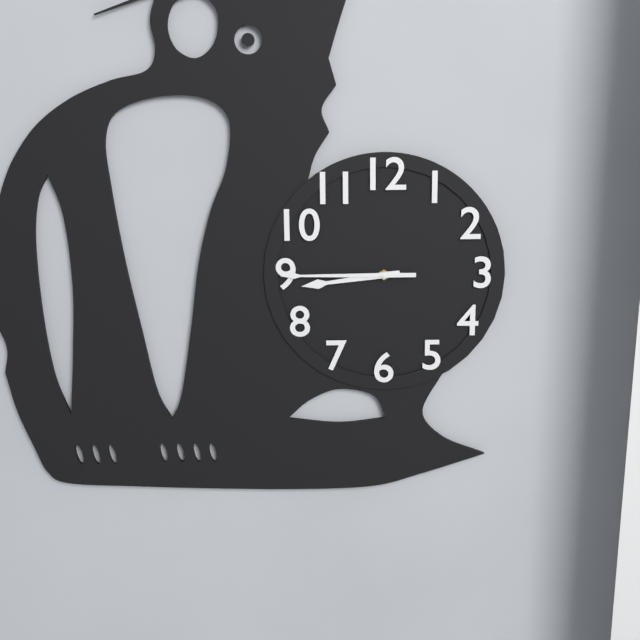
8.45
